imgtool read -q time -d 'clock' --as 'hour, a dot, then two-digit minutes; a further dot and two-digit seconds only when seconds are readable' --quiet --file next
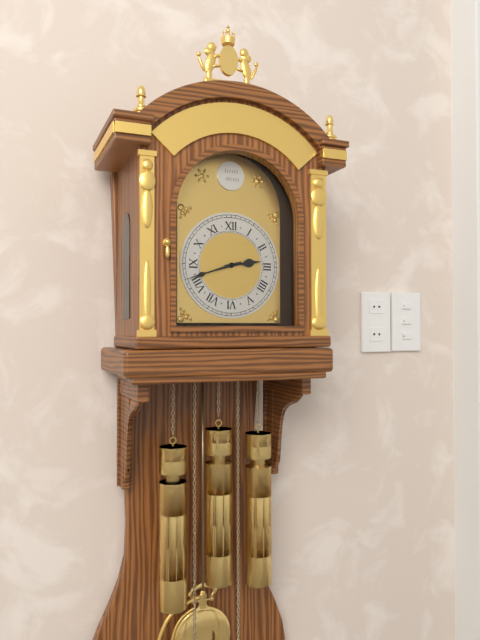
2.42
